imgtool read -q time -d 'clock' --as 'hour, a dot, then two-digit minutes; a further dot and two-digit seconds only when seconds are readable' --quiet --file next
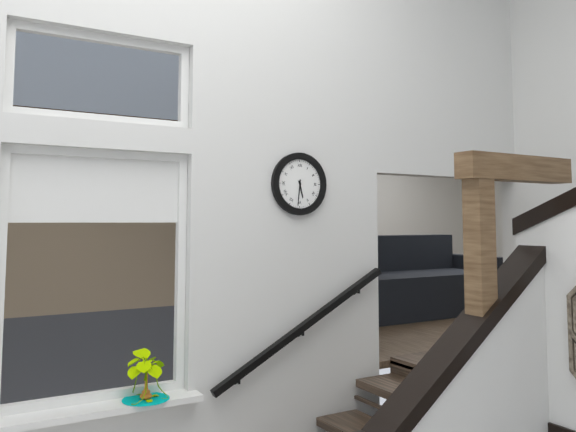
5.31
